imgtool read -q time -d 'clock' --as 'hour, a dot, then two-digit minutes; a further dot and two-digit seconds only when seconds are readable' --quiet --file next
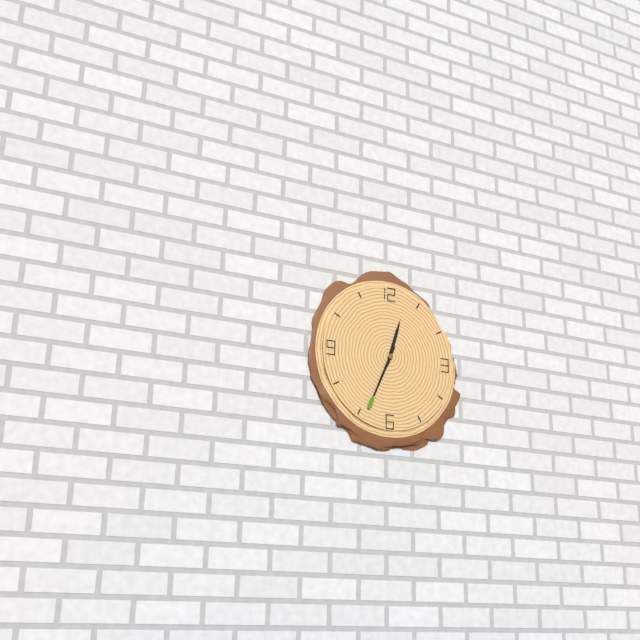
12.34
